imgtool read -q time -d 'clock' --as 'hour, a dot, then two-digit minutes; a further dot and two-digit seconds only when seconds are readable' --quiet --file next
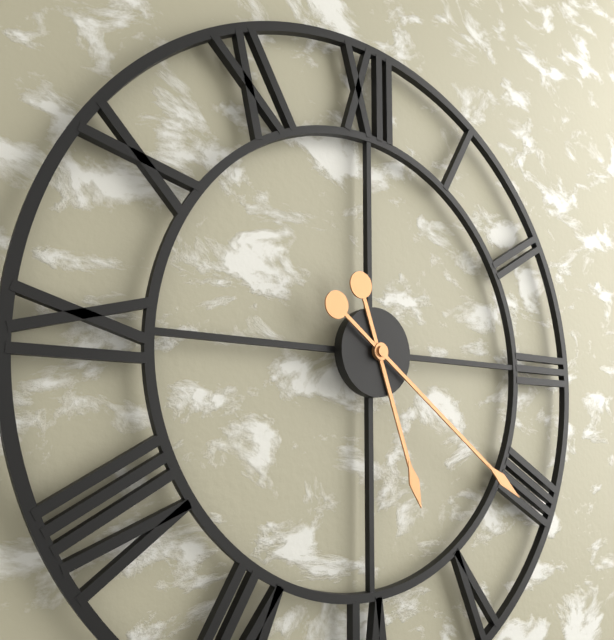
5.21
